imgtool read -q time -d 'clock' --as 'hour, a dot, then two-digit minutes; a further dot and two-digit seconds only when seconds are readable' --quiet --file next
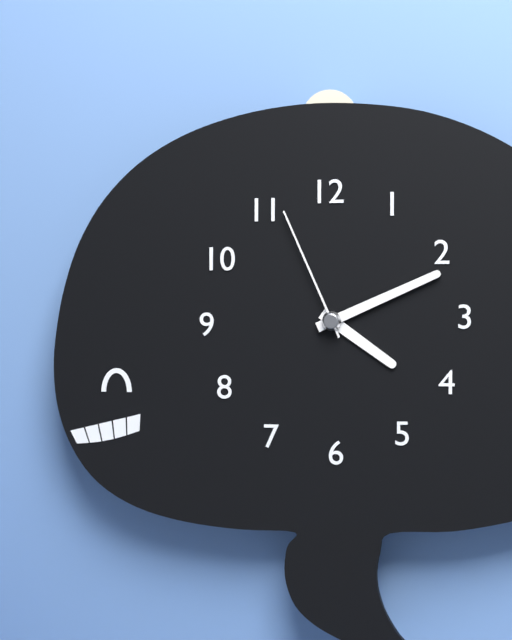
4.11.56
